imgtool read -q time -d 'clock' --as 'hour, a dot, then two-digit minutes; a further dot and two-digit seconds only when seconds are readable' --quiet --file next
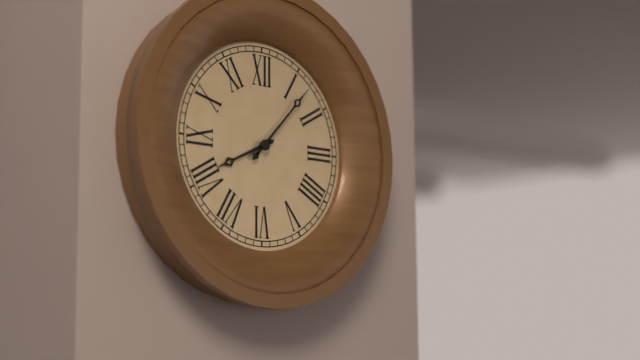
8.07
